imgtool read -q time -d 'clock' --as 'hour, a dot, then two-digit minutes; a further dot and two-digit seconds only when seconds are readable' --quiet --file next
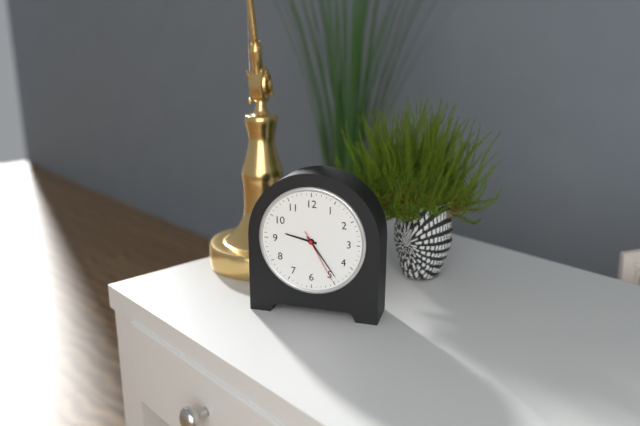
9.24.25
